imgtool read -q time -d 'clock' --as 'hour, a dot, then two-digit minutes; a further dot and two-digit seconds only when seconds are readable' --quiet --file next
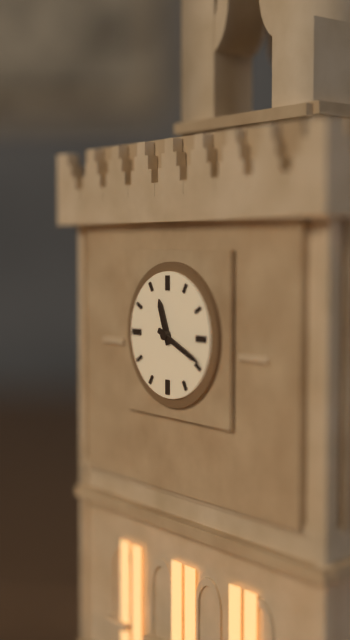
11.19
